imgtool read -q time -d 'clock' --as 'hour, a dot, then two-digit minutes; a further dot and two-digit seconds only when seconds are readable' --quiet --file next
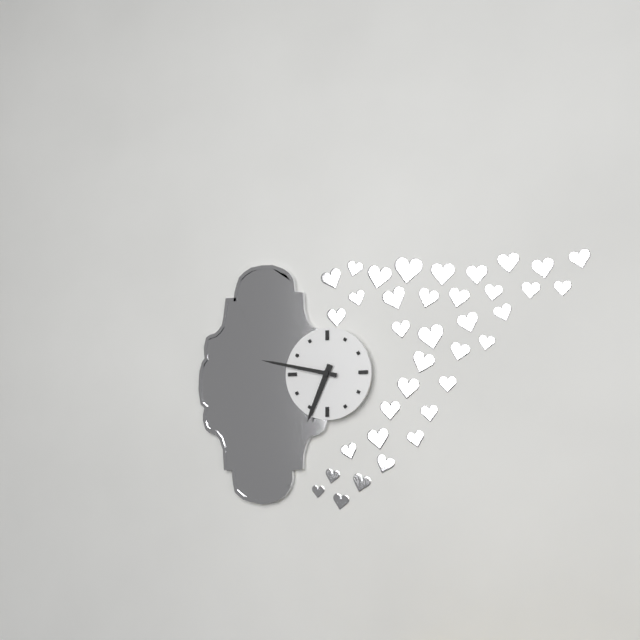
6.47
